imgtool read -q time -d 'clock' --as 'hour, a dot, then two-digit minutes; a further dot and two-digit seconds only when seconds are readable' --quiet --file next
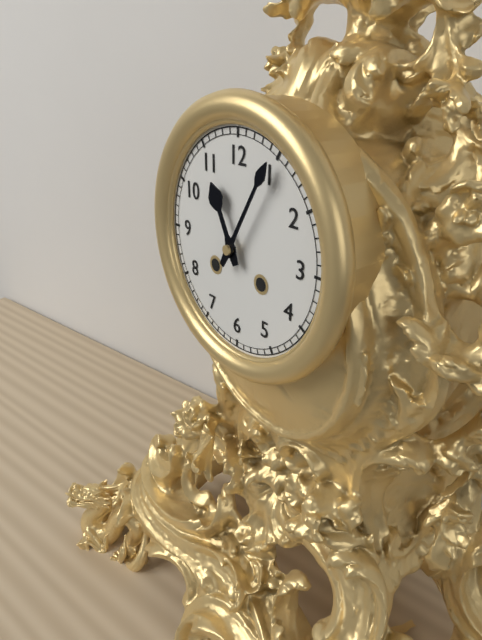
11.05
